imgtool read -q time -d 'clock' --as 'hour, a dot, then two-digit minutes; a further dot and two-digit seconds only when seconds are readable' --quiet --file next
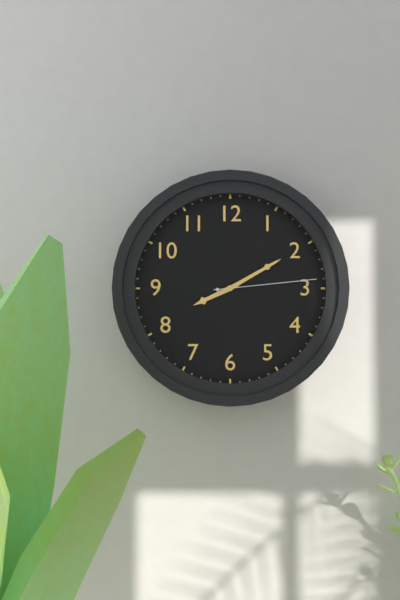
8.10.14
